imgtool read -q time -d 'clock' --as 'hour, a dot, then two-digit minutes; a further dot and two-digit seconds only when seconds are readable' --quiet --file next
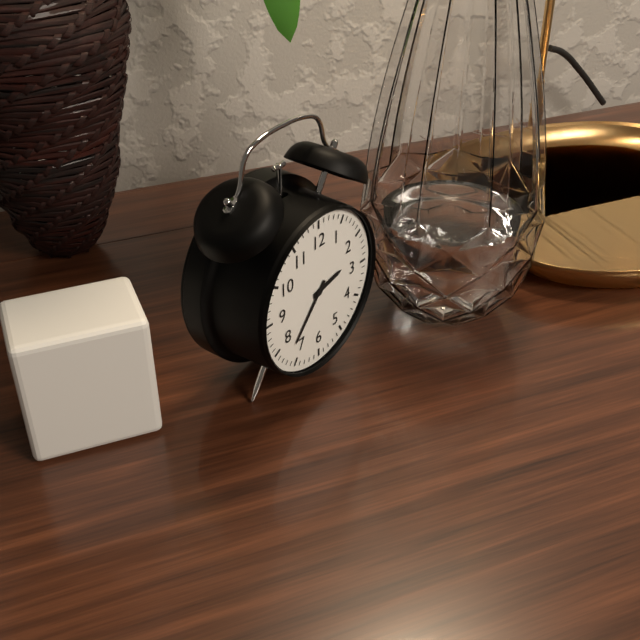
2.37
